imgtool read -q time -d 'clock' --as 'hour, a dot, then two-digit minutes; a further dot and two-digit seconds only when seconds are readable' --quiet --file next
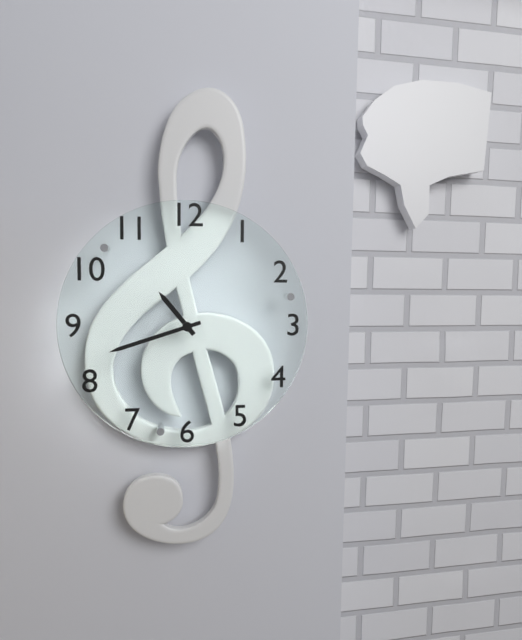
10.42
